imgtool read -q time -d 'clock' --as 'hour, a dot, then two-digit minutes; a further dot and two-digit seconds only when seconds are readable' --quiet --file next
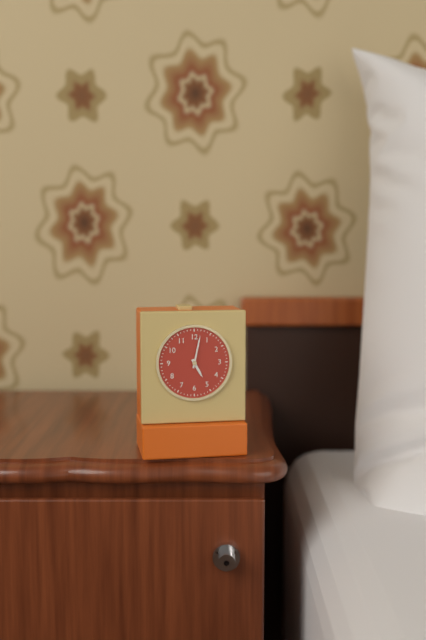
5.02
